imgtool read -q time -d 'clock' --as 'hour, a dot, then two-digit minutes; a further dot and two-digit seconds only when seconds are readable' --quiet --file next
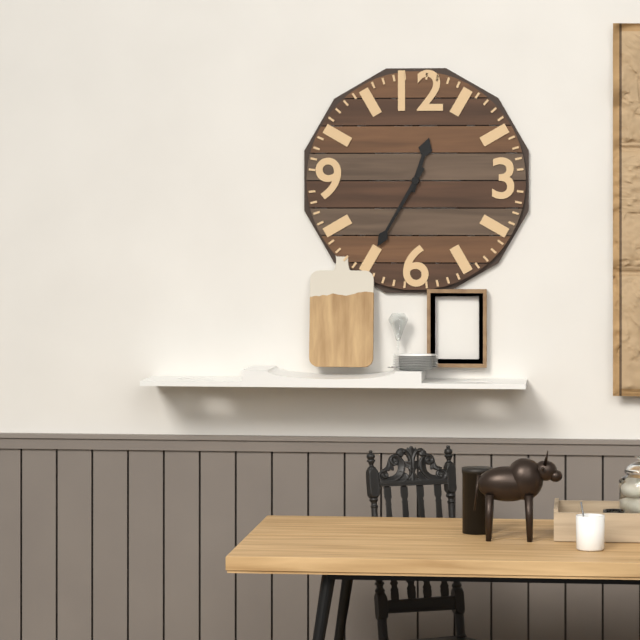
12.35
